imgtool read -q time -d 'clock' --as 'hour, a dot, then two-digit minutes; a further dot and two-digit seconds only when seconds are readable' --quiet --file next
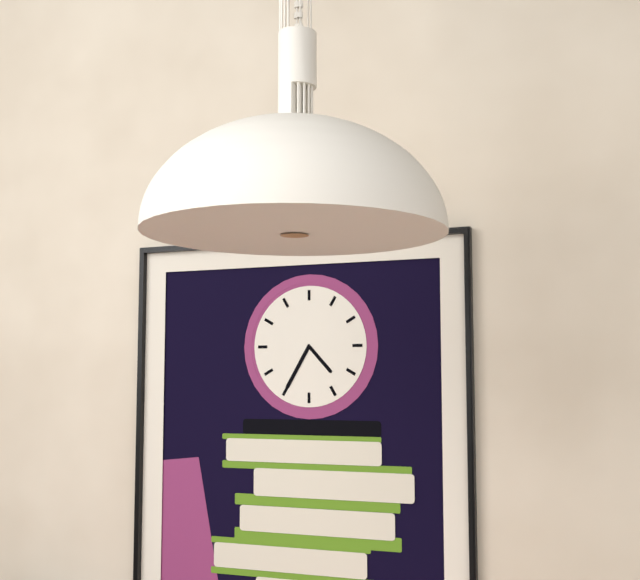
4.35
